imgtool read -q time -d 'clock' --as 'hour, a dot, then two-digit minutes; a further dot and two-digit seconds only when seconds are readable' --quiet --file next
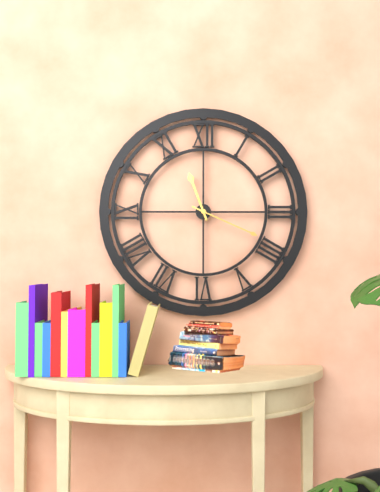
11.19
